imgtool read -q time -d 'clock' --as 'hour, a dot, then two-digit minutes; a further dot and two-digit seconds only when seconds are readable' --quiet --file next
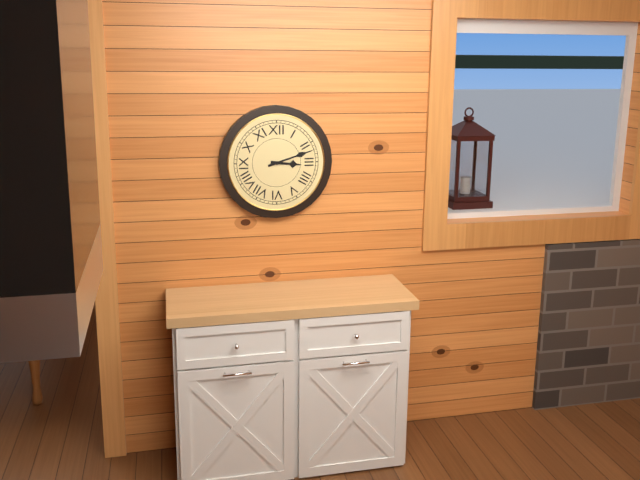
3.12
